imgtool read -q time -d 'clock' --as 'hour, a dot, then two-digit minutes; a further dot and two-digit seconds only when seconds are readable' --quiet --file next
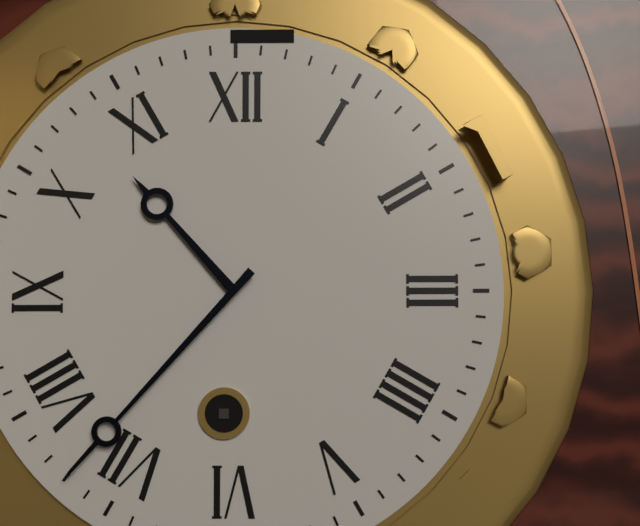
10.37
